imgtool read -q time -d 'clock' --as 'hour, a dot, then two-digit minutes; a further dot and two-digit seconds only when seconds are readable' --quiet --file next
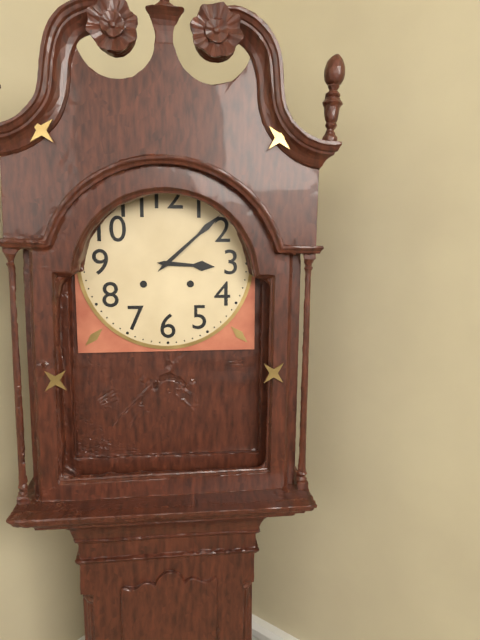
3.08
